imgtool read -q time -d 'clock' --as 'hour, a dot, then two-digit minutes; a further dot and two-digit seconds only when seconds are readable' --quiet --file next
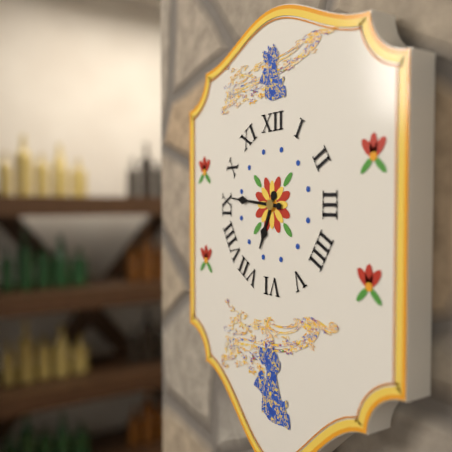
6.46
